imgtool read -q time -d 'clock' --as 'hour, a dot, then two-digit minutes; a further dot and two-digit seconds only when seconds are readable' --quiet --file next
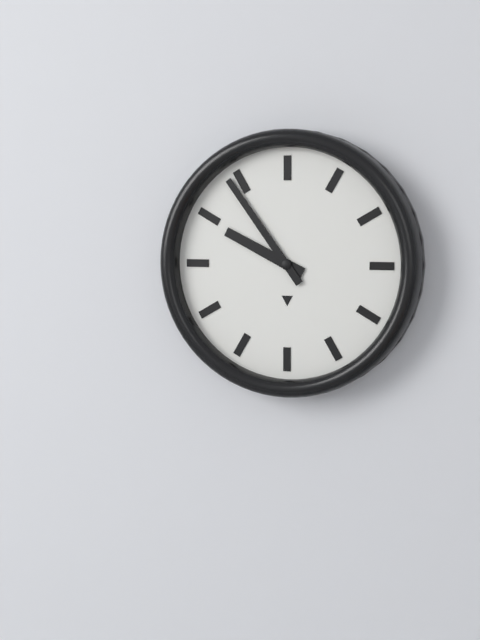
9.54
